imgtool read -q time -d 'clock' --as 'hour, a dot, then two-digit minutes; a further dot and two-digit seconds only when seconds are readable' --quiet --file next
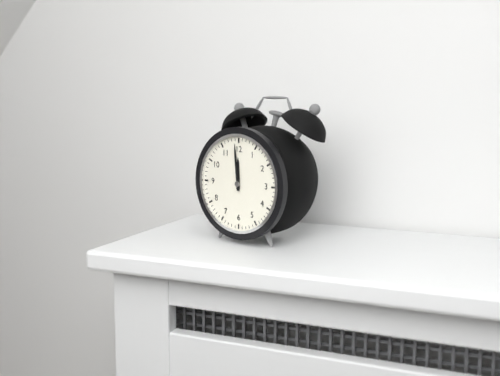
11.59
